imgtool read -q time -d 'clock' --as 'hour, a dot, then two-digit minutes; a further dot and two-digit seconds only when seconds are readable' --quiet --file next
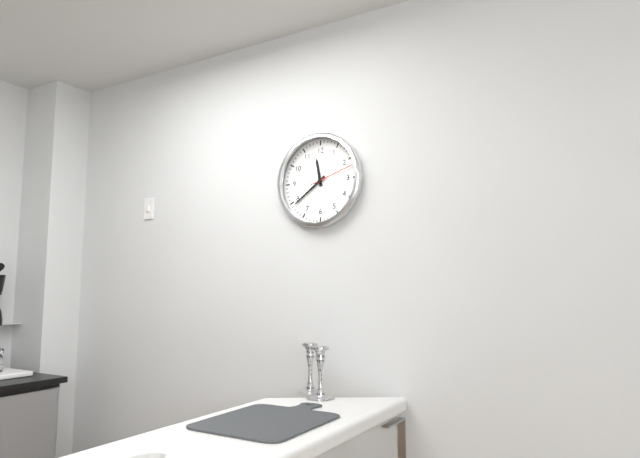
11.39
